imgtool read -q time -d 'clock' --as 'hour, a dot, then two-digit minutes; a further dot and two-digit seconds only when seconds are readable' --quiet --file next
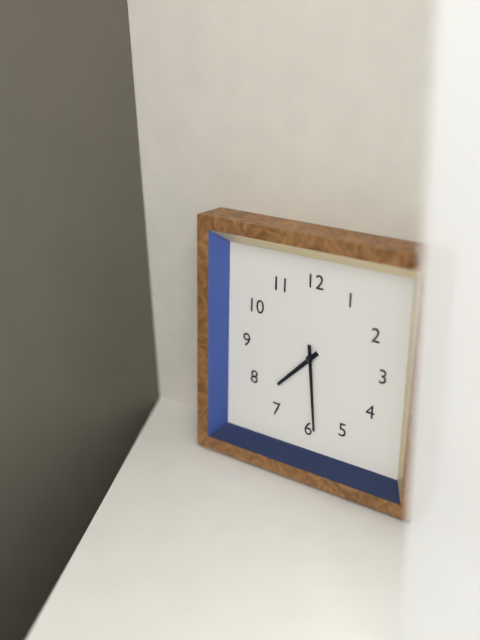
7.29
